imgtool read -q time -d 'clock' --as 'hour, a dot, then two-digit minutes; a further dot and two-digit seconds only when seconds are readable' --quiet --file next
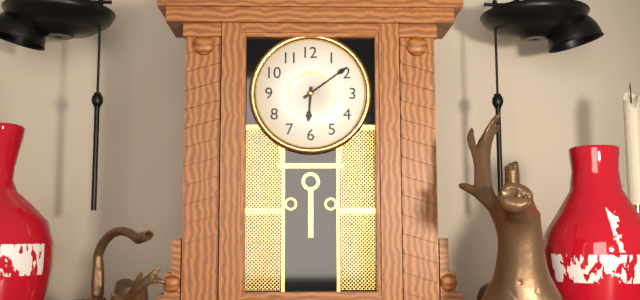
6.09
